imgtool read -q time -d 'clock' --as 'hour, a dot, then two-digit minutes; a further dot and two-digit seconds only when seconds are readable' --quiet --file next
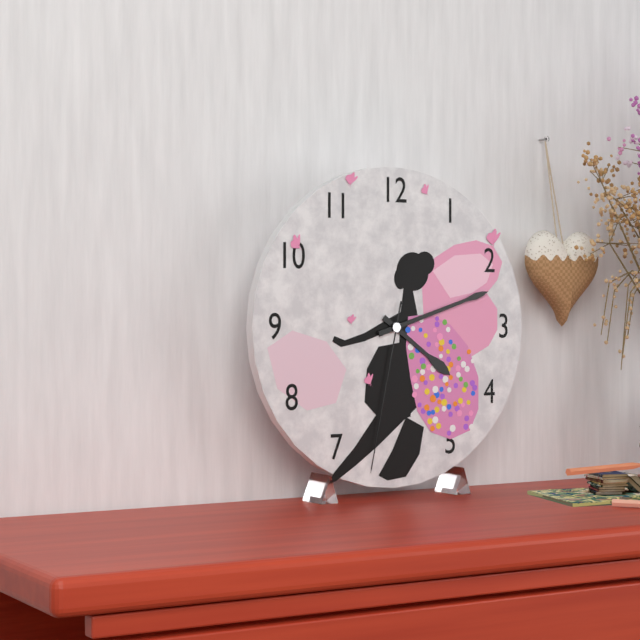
4.12.32
